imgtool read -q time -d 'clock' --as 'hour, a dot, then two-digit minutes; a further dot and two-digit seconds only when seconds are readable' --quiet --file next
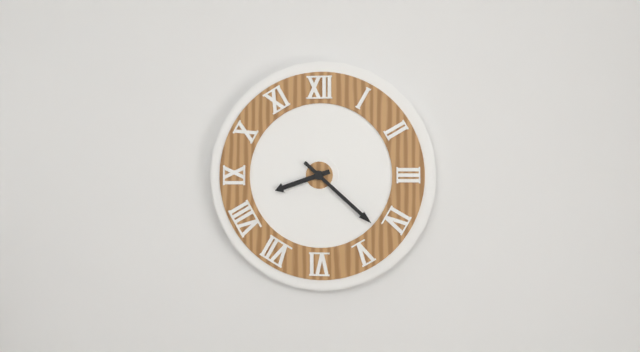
8.22
